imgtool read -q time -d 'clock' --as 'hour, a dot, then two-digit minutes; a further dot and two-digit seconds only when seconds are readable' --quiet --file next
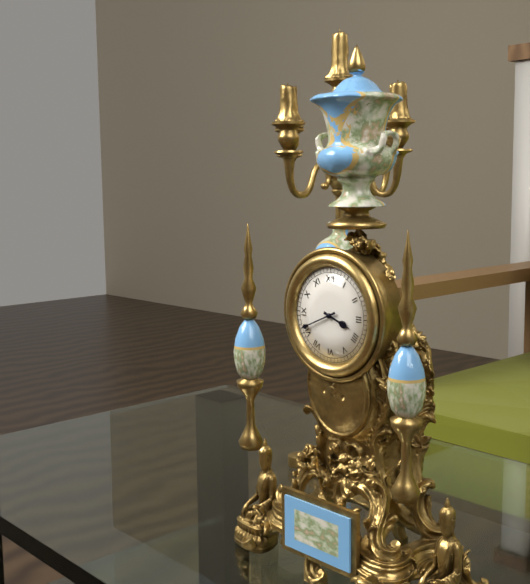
3.41
